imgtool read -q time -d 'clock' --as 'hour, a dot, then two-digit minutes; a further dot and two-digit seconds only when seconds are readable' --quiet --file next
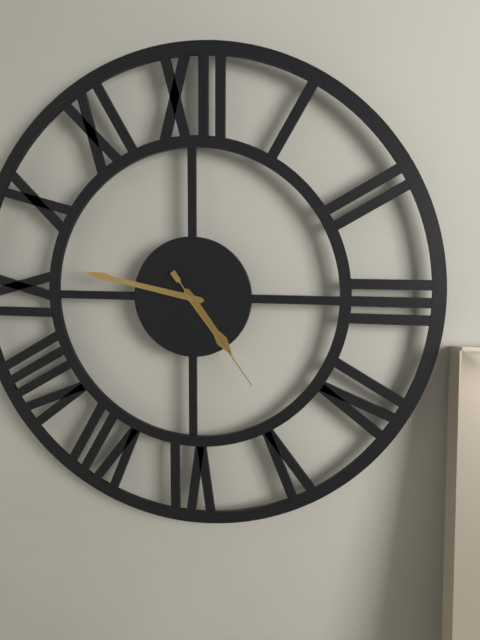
4.47.24
